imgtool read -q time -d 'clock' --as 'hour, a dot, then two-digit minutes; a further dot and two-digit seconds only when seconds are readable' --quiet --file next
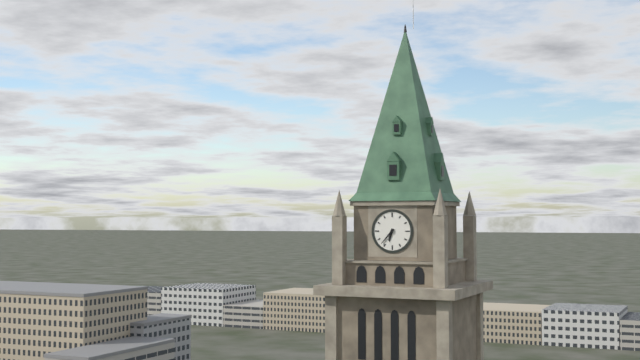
6.37
